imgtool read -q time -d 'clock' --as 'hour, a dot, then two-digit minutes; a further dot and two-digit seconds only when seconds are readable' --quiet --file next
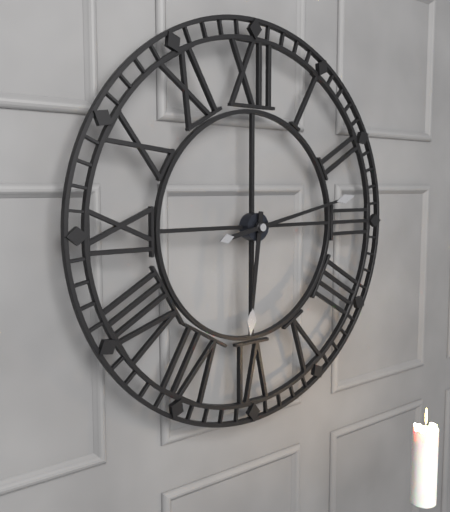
6.13
